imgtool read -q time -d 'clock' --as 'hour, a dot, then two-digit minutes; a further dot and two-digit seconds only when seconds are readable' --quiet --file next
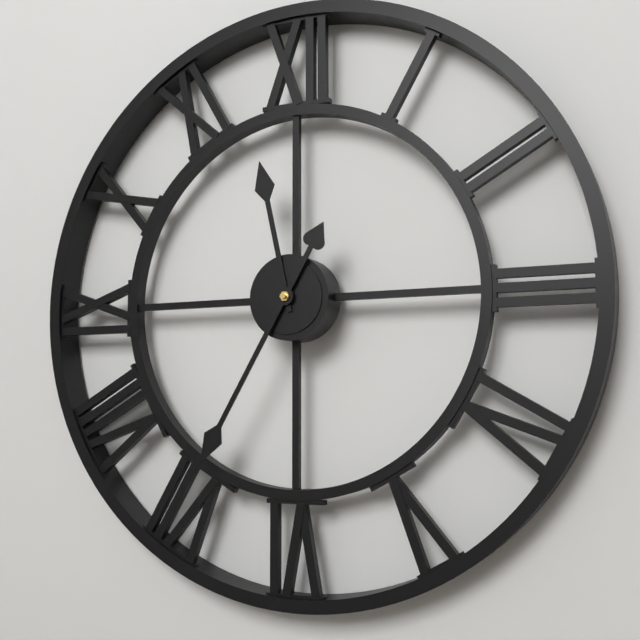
11.35
